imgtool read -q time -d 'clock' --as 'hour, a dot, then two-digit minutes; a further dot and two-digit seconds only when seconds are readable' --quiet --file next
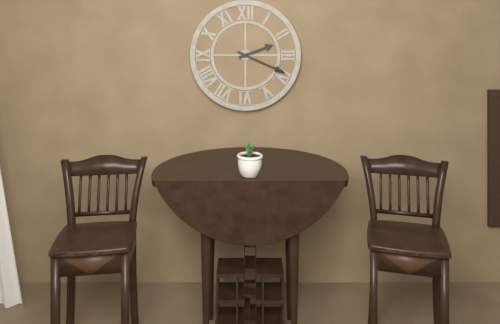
2.19
